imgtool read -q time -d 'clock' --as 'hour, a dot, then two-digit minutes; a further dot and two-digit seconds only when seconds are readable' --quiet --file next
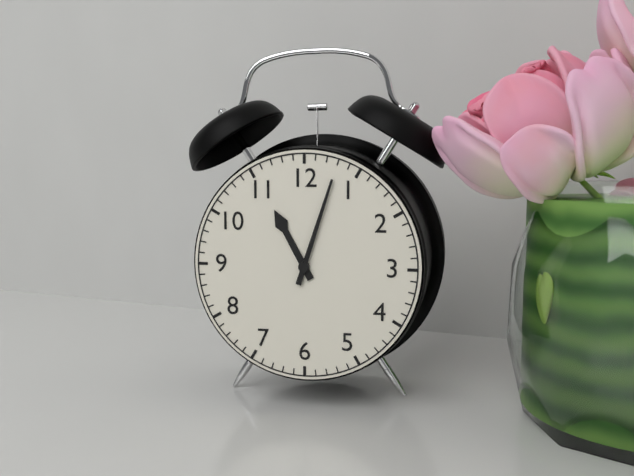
11.03
